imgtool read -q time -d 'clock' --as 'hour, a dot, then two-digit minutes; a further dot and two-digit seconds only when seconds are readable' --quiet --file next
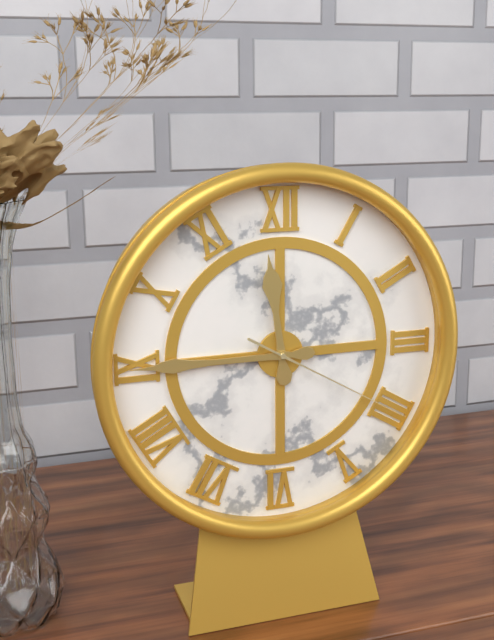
11.45.20
